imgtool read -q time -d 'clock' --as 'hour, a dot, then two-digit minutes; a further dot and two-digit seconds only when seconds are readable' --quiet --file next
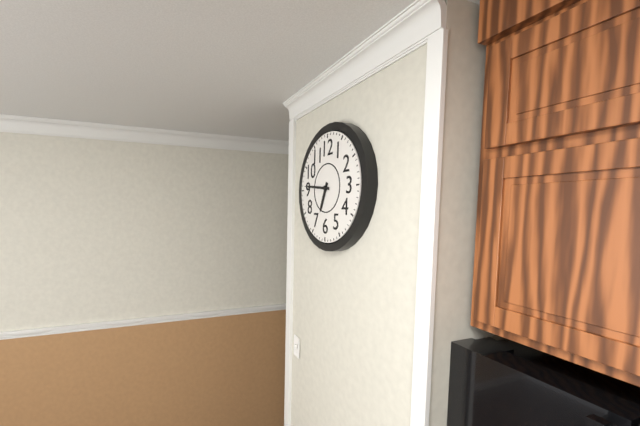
6.46
